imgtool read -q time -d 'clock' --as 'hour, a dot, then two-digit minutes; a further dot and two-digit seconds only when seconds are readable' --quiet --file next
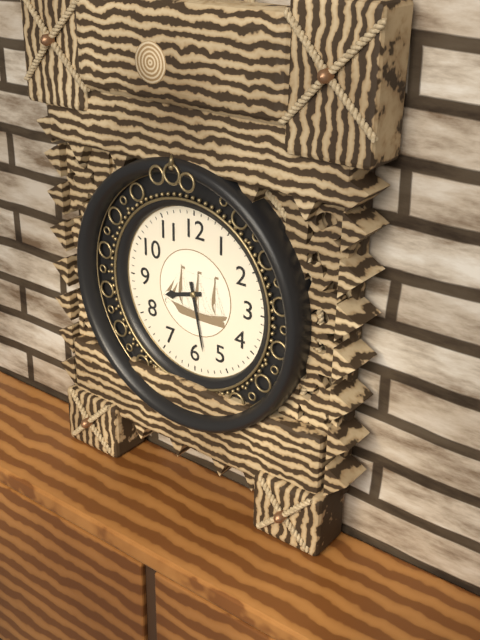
8.28
